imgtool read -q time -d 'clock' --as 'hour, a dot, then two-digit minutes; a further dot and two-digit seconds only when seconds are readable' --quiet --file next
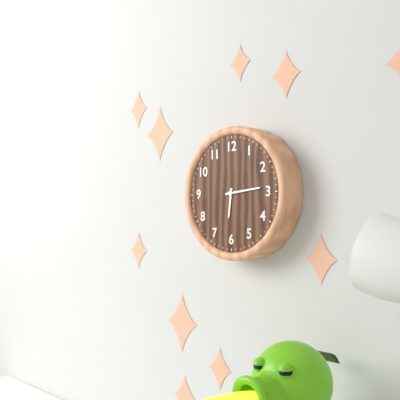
6.14
